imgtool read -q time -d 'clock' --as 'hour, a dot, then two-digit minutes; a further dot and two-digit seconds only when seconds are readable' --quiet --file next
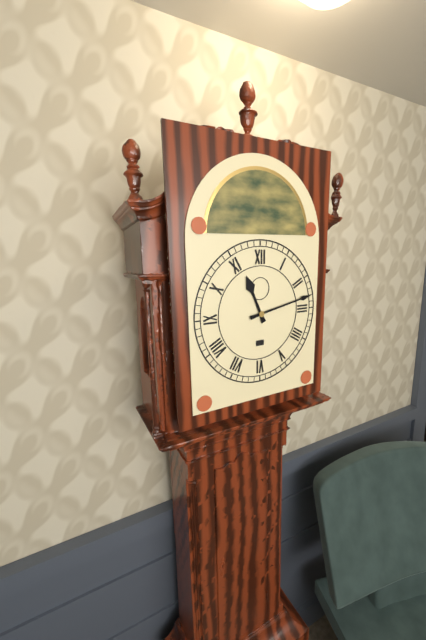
11.13
